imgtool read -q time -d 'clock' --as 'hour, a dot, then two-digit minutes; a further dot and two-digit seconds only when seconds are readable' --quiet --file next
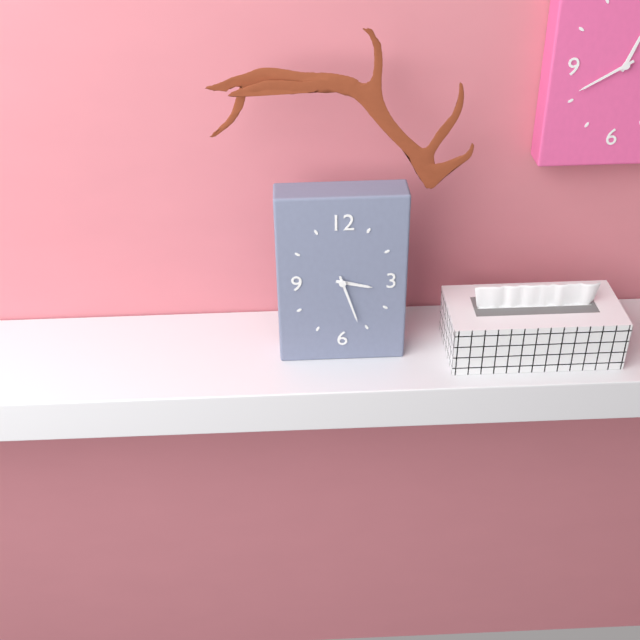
3.27
